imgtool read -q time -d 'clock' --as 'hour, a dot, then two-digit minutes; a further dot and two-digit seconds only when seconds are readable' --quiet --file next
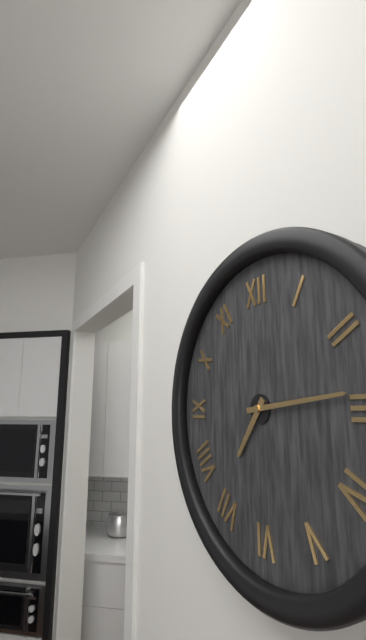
7.14
